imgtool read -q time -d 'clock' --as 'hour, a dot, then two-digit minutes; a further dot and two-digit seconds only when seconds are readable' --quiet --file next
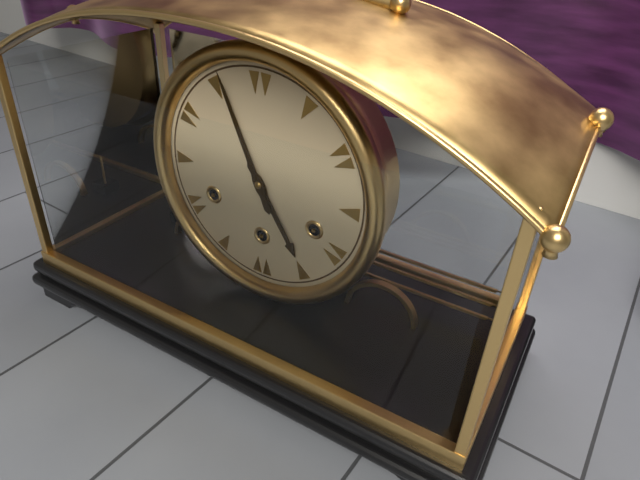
4.56
